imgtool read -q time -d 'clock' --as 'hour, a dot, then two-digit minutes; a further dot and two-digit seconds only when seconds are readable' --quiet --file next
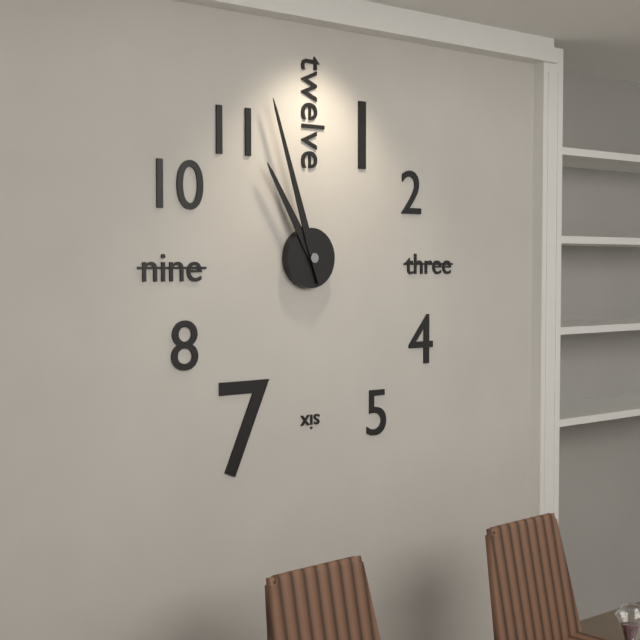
10.57
